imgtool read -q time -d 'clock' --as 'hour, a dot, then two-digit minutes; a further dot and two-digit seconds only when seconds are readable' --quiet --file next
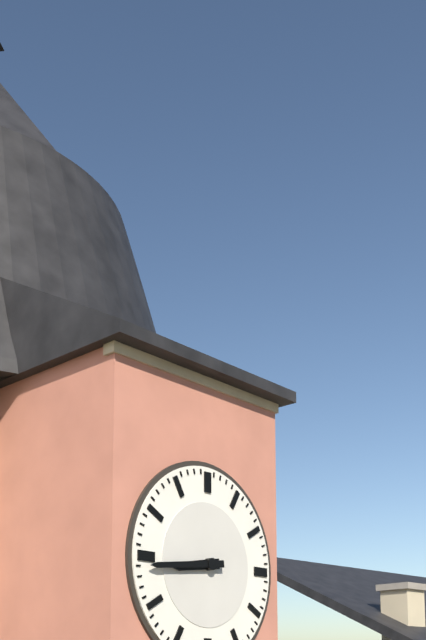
8.44
